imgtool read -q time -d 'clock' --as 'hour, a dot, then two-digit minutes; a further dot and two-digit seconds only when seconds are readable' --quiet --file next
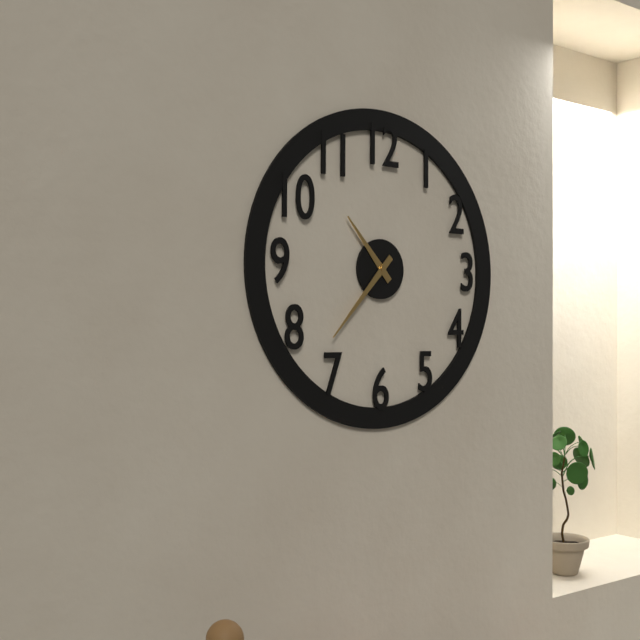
10.37
